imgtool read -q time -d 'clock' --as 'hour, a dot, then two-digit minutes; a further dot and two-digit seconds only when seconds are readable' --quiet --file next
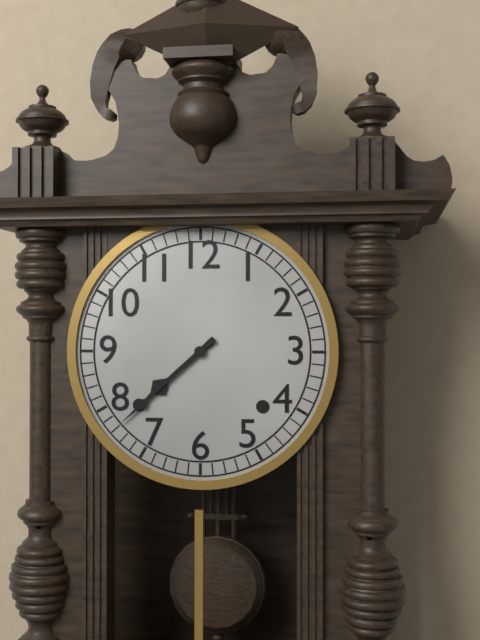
7.38
